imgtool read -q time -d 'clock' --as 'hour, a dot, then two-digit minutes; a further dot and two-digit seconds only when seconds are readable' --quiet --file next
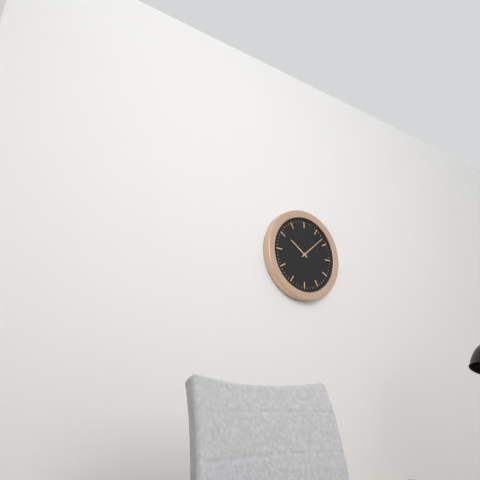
10.08
